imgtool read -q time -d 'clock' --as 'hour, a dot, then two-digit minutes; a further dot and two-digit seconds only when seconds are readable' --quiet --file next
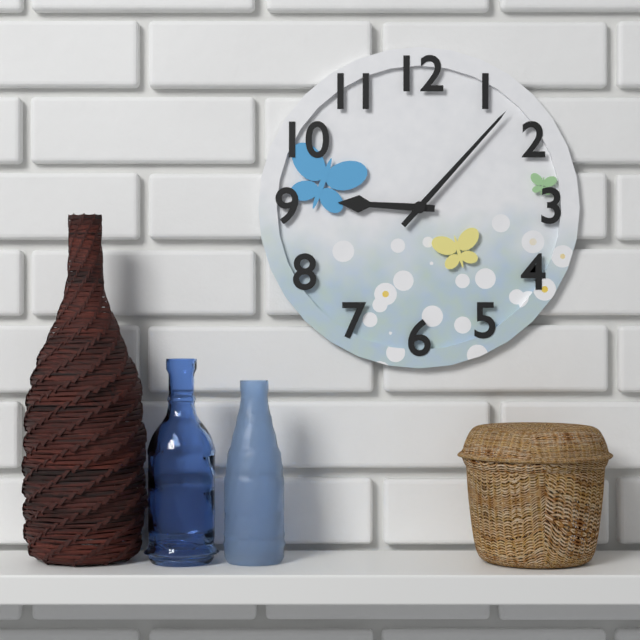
9.07
